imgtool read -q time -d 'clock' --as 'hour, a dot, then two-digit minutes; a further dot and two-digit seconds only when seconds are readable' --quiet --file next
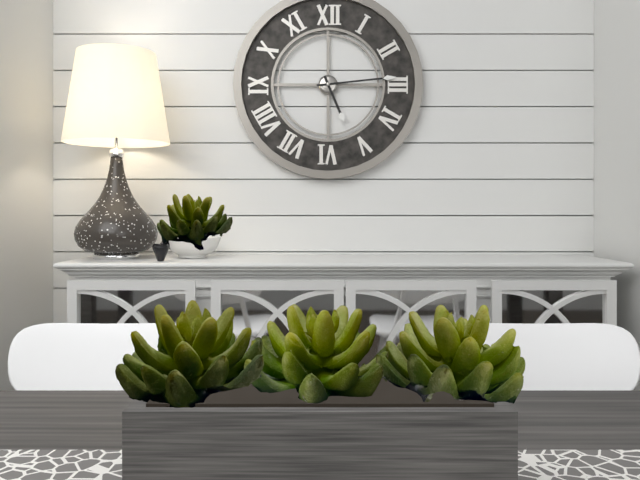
5.14
